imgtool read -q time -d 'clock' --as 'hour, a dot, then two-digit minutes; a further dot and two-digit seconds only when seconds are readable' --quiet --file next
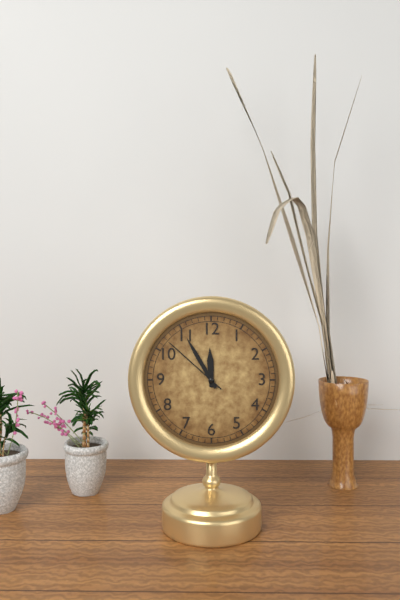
11.55.52
